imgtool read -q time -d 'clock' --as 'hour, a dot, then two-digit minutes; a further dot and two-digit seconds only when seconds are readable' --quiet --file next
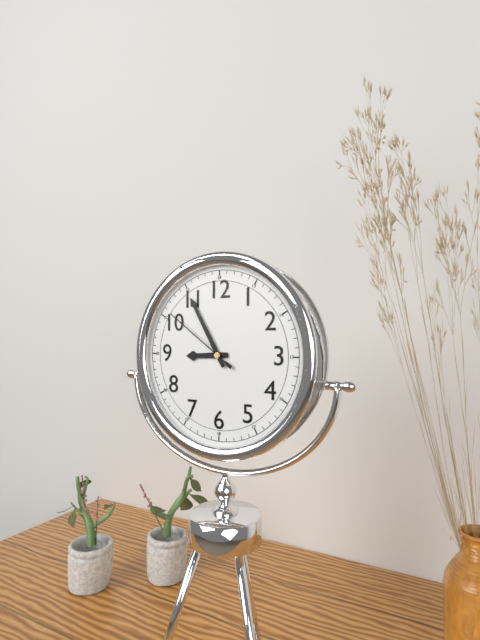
8.55.51
